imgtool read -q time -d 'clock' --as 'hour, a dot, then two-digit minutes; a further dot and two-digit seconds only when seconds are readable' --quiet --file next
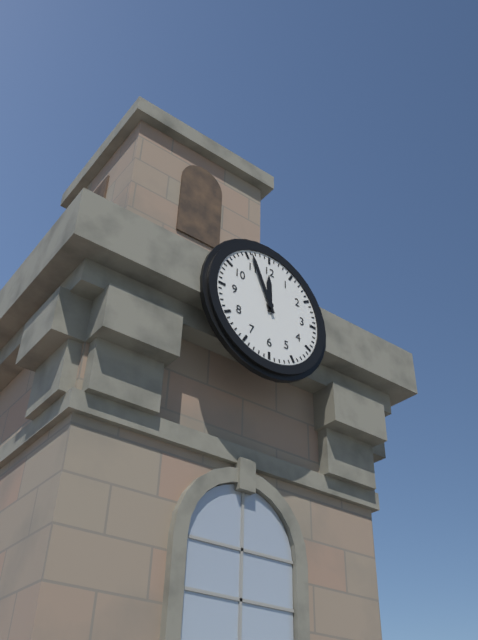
11.56
